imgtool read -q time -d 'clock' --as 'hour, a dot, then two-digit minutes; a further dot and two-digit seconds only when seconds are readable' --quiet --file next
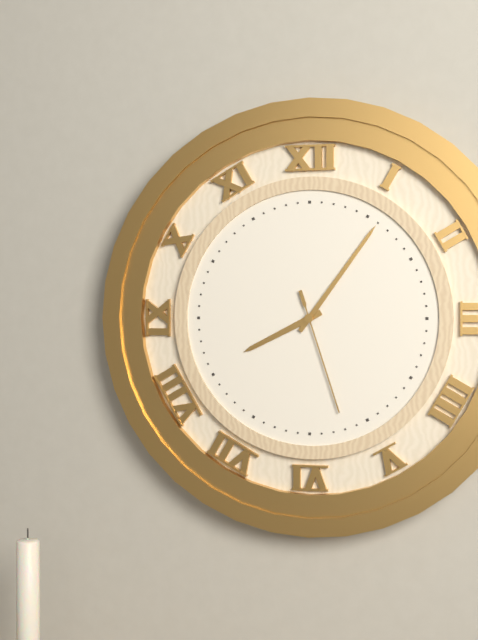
8.06.27
